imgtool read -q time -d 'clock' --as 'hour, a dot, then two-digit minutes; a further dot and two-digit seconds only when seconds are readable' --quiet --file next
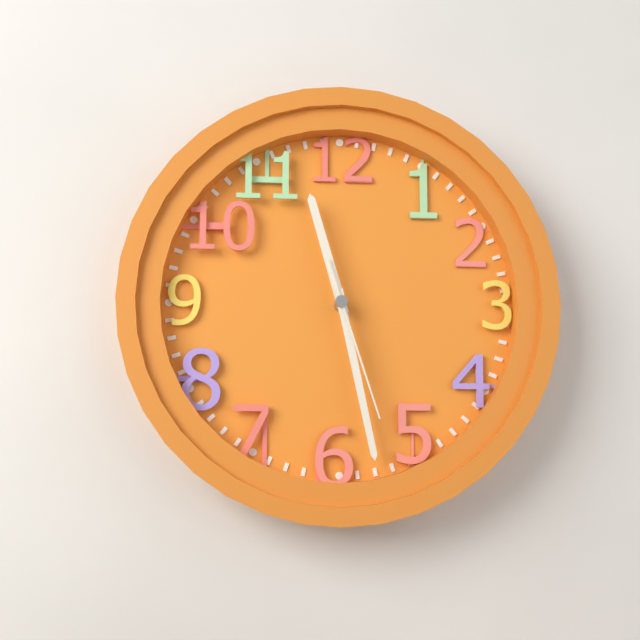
11.28.27
